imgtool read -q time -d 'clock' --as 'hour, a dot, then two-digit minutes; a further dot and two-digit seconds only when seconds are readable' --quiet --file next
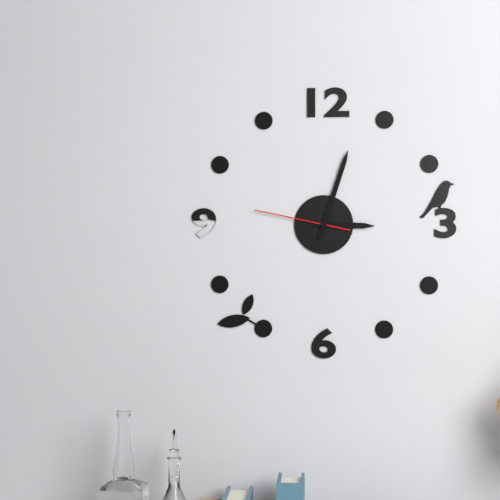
3.03.47
